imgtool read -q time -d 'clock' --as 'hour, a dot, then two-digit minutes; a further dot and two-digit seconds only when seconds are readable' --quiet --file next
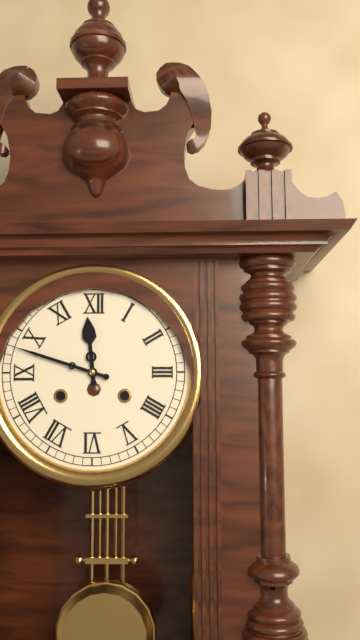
11.48
